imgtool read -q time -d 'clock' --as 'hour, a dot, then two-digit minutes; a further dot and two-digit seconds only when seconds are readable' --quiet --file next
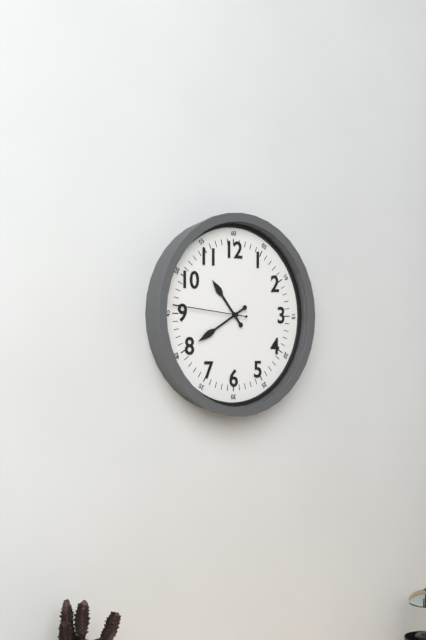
10.40.46
